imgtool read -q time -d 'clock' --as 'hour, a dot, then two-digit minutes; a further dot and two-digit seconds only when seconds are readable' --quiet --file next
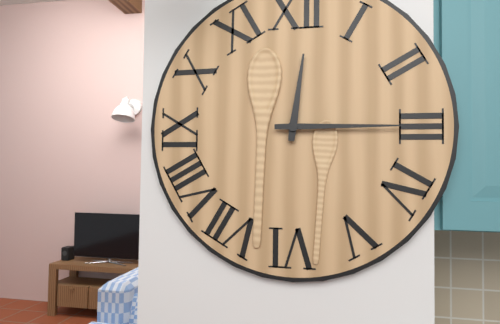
12.15
